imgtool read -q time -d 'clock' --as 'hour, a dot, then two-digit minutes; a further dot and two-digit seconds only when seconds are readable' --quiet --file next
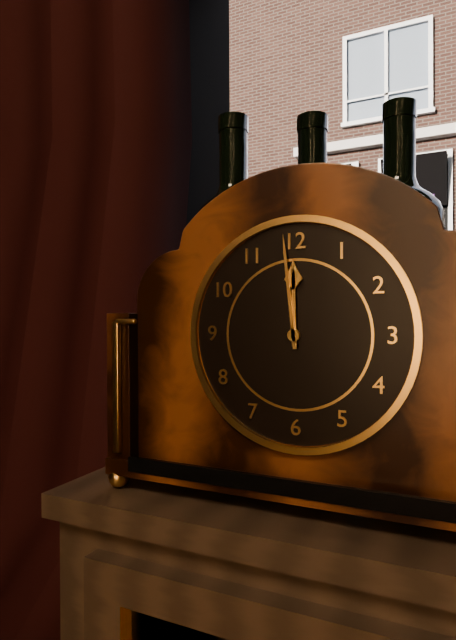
11.59
